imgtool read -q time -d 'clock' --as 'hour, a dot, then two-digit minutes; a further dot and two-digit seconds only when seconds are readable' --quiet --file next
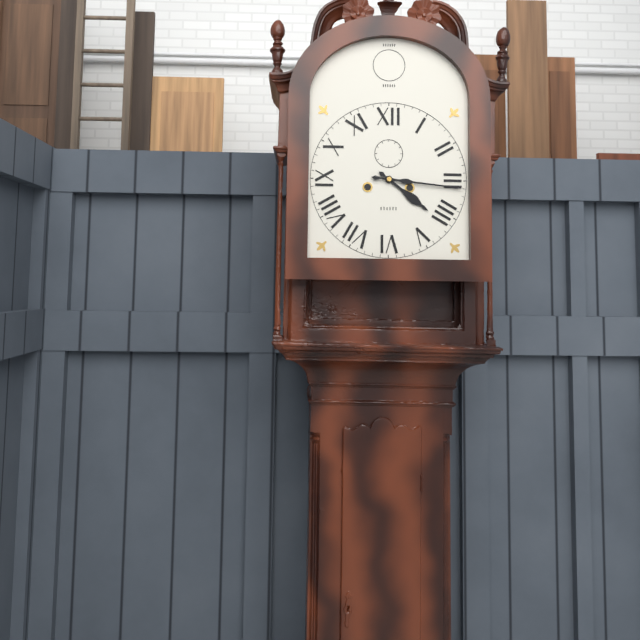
4.16
